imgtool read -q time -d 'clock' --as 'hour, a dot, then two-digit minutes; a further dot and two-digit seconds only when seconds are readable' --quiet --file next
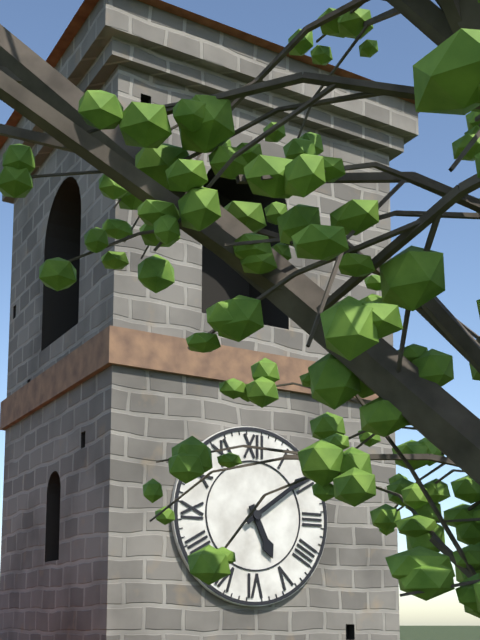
5.09
